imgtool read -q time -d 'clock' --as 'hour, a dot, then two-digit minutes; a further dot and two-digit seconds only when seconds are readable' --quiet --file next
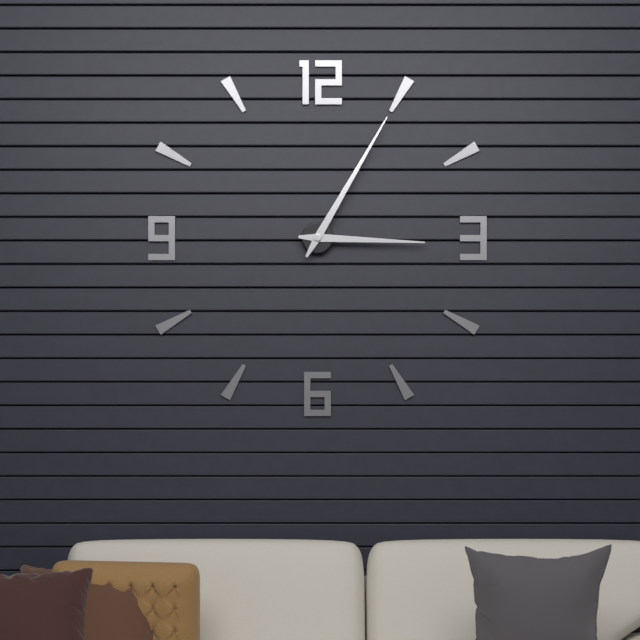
3.05
